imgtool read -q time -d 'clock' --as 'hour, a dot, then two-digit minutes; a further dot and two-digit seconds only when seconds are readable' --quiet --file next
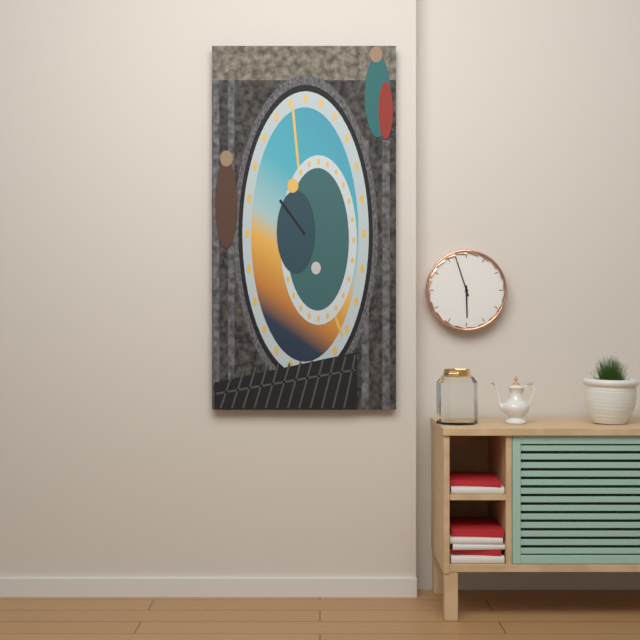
5.57
